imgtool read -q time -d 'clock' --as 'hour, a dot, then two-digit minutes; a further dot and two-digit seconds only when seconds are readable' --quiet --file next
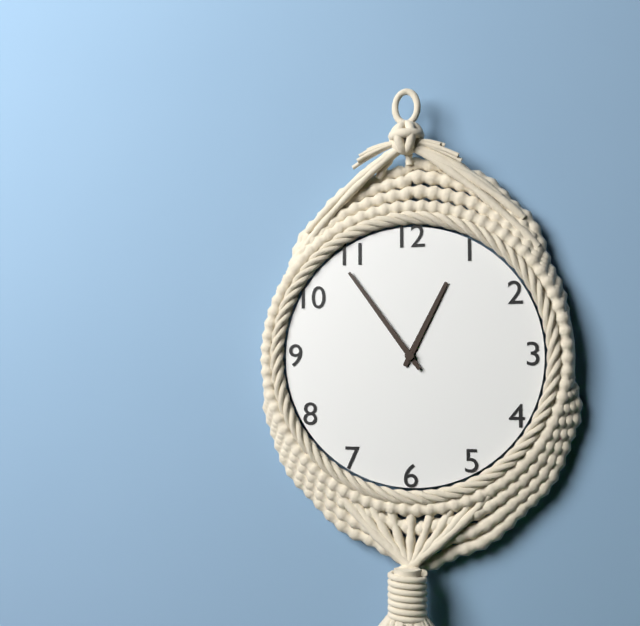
12.54
